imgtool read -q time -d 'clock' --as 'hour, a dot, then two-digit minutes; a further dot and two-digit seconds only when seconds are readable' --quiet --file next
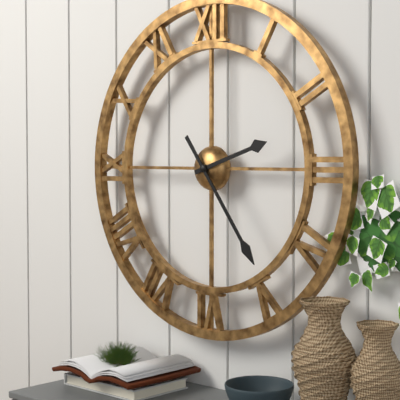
2.24
